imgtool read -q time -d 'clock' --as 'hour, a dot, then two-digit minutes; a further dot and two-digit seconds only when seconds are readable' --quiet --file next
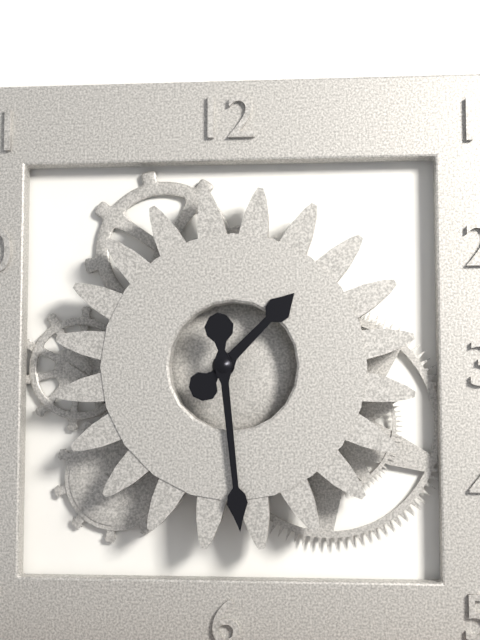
1.29
